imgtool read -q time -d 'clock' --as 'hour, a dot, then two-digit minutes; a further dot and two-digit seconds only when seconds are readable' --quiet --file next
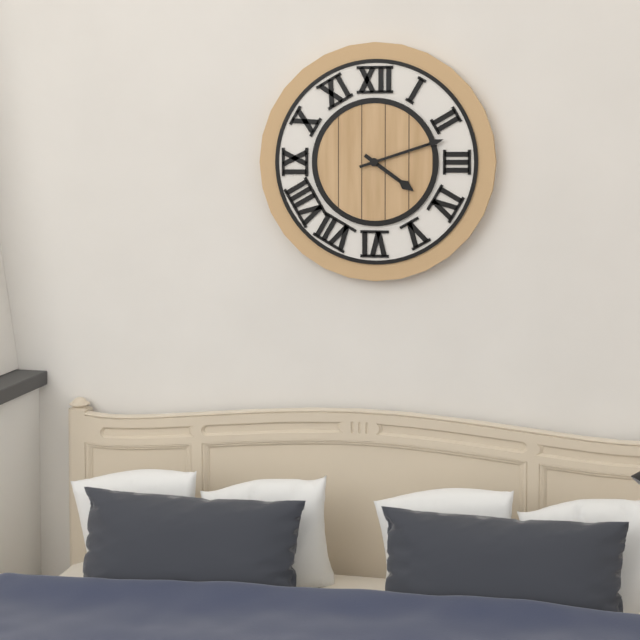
4.12
